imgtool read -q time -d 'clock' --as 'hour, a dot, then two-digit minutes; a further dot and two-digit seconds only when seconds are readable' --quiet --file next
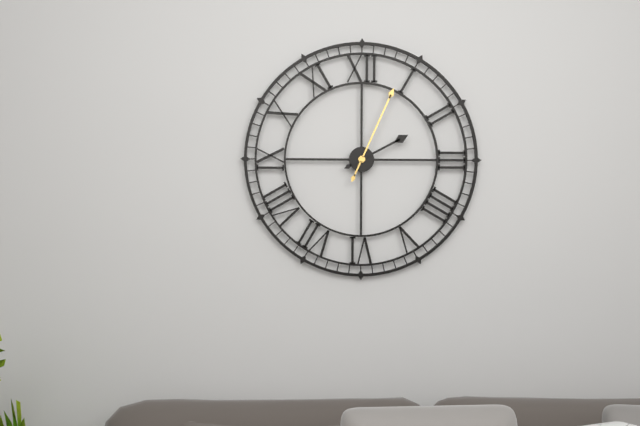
2.04
